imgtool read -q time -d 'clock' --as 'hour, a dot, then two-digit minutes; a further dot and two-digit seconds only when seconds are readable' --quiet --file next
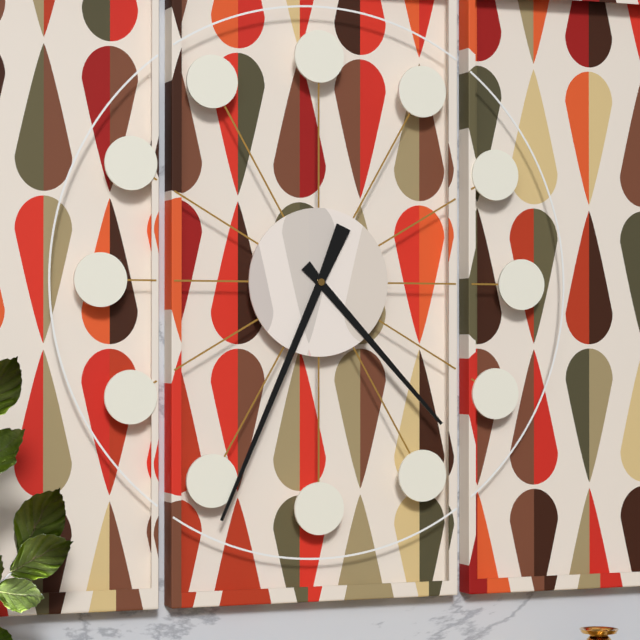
4.34
